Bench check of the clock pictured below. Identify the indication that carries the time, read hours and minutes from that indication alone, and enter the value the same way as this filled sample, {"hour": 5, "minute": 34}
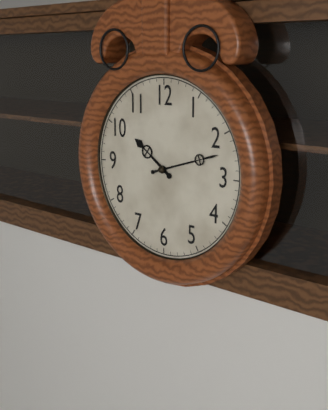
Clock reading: {"hour": 10, "minute": 12}
